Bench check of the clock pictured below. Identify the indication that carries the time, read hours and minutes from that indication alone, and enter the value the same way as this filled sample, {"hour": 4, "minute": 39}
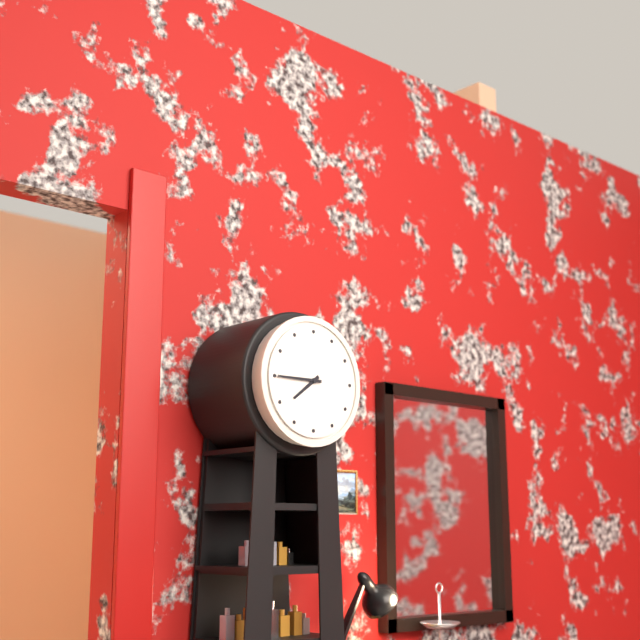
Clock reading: {"hour": 7, "minute": 45}
